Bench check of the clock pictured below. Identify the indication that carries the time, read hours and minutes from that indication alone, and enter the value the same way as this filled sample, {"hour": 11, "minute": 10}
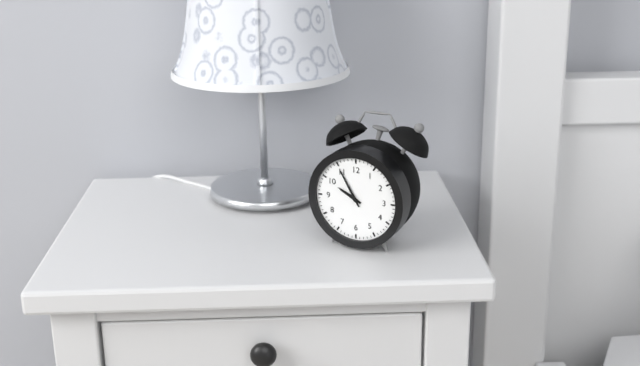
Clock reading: {"hour": 9, "minute": 55}
